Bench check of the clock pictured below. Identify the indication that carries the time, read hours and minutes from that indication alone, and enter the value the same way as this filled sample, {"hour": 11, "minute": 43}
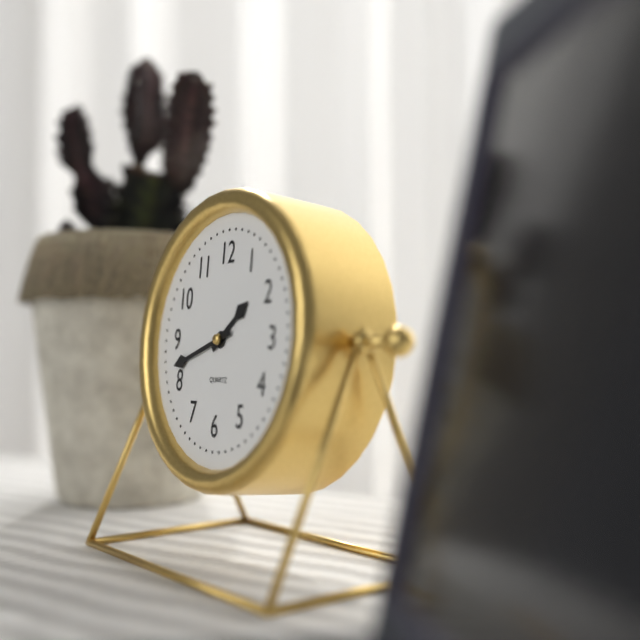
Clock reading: {"hour": 1, "minute": 42}
